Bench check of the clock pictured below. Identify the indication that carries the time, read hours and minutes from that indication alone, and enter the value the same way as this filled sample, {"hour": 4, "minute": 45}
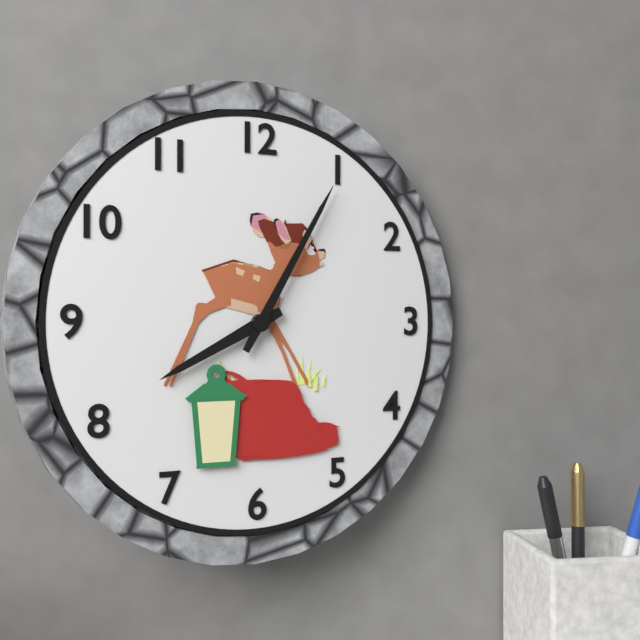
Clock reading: {"hour": 8, "minute": 5}
